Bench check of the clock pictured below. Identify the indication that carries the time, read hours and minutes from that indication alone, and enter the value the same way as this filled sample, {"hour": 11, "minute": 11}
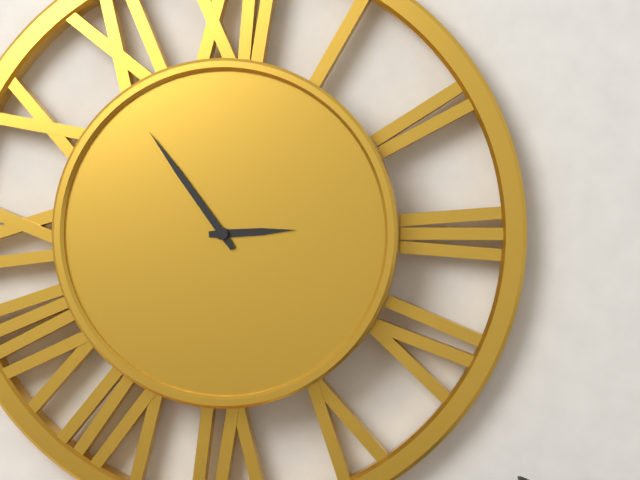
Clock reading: {"hour": 2, "minute": 54}
